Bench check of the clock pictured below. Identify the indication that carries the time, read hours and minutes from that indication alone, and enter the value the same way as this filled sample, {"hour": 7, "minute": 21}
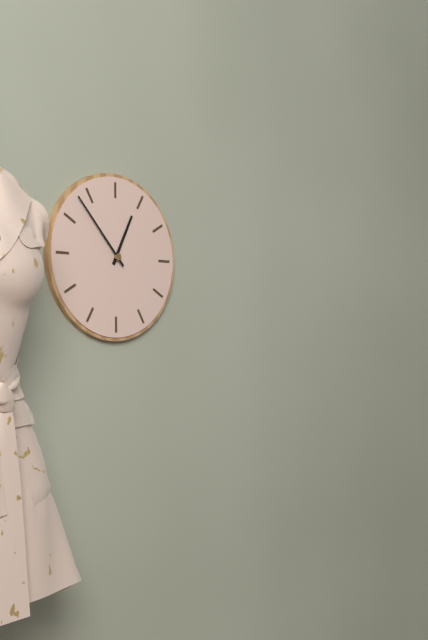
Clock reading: {"hour": 12, "minute": 53}
